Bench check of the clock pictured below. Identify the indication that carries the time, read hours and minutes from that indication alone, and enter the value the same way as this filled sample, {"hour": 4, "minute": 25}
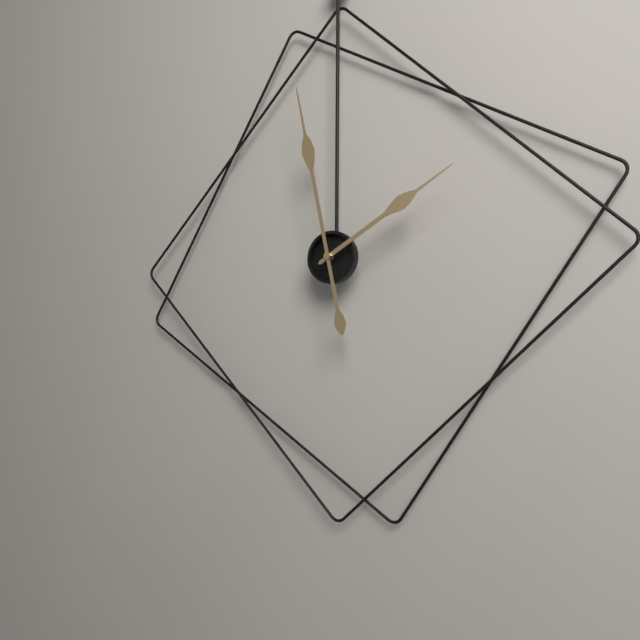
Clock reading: {"hour": 1, "minute": 58}
